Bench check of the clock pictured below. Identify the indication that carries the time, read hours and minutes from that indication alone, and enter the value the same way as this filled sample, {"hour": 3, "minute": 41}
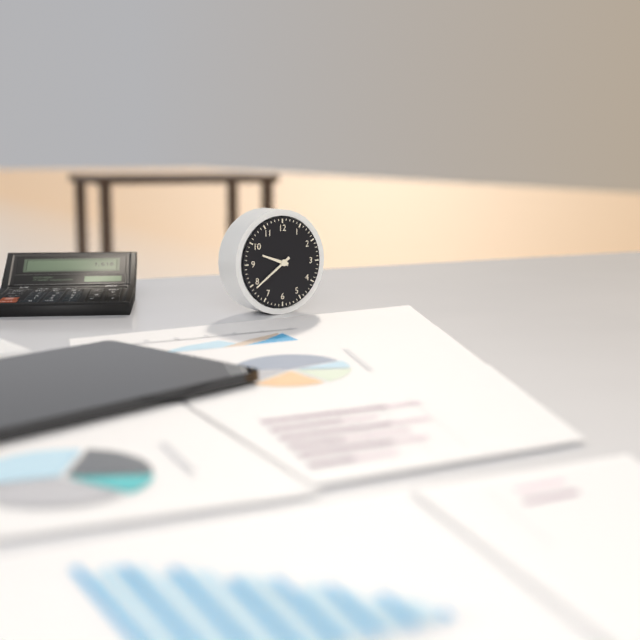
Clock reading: {"hour": 9, "minute": 39}
